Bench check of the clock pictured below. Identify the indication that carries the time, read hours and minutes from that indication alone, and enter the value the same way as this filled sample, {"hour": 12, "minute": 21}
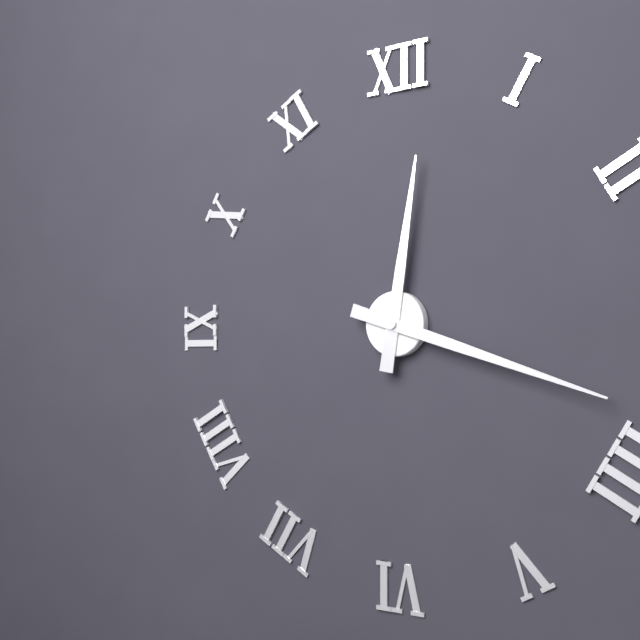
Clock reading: {"hour": 12, "minute": 18}
